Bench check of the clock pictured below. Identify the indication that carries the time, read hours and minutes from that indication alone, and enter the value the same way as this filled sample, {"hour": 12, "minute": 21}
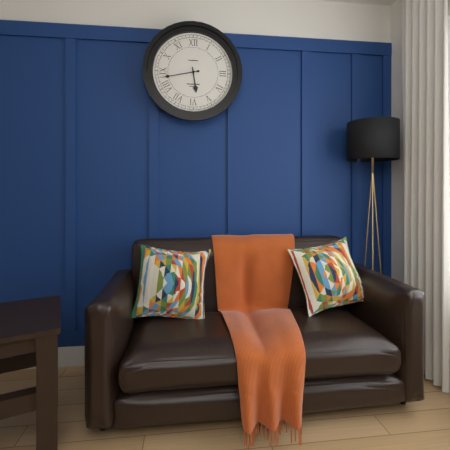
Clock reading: {"hour": 5, "minute": 43}
